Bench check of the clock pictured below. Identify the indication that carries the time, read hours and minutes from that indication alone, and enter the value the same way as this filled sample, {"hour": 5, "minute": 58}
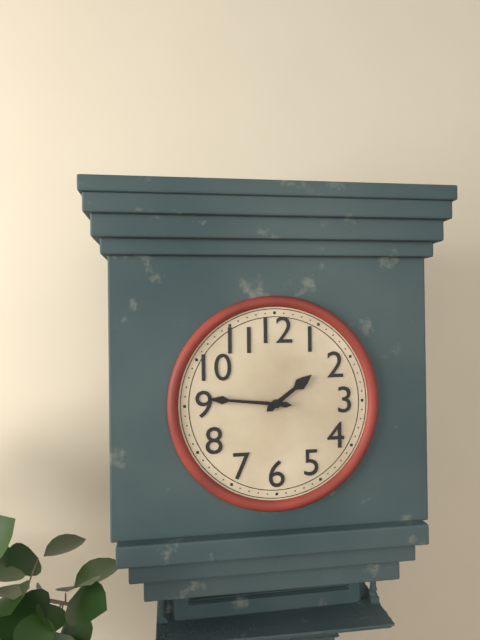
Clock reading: {"hour": 1, "minute": 46}
